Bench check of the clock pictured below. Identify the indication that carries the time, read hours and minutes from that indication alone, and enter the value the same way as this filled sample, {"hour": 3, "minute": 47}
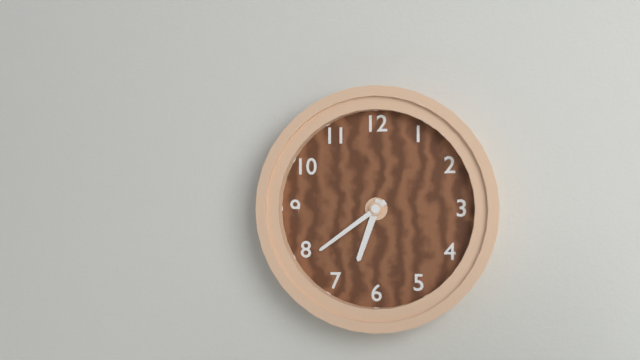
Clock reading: {"hour": 6, "minute": 39}
